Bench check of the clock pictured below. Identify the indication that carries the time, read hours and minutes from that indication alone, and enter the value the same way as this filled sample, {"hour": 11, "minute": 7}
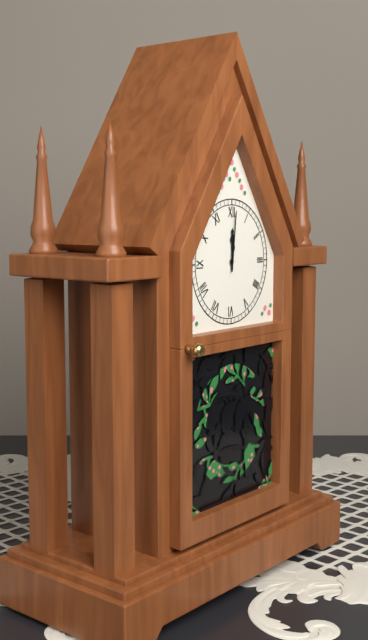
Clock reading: {"hour": 12, "minute": 1}
